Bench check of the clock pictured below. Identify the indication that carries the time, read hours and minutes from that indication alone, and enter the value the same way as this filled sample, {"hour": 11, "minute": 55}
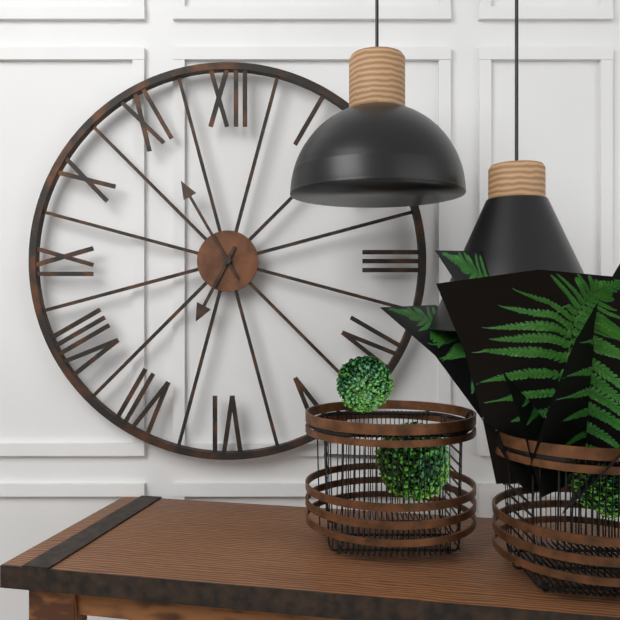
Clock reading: {"hour": 6, "minute": 55}
